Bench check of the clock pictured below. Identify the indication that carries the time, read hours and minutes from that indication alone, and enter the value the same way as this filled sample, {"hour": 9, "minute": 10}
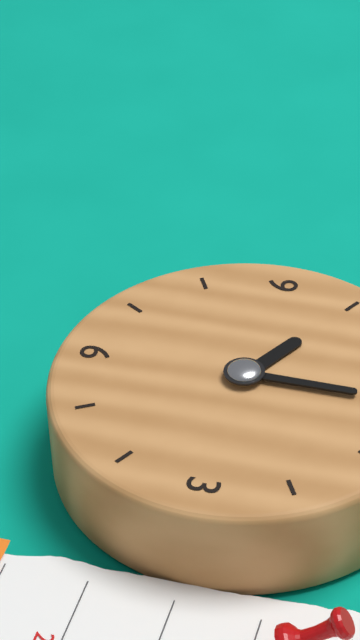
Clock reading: {"hour": 10, "minute": 0}
